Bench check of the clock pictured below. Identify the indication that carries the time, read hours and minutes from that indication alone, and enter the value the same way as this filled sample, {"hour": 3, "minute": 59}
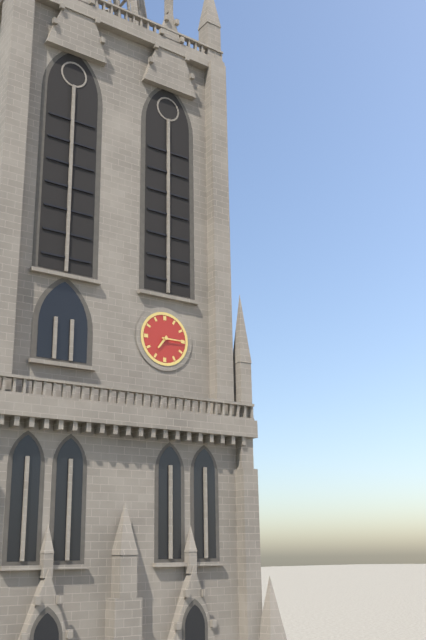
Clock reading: {"hour": 7, "minute": 15}
